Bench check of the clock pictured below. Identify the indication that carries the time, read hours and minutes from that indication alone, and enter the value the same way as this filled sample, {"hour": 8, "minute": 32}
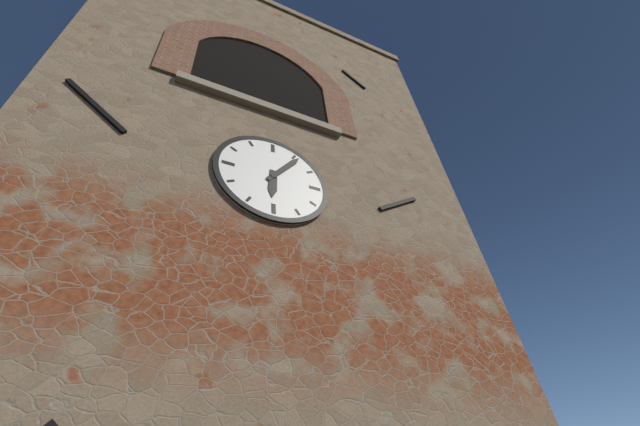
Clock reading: {"hour": 6, "minute": 6}
